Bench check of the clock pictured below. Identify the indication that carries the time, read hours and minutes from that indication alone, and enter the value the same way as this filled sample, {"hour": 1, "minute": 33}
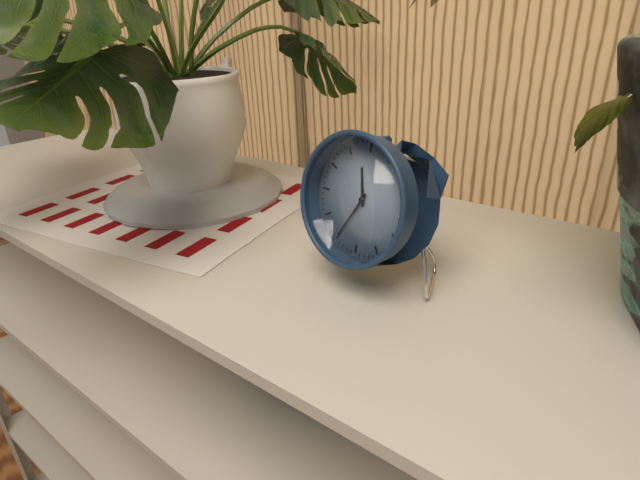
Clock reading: {"hour": 11, "minute": 35}
